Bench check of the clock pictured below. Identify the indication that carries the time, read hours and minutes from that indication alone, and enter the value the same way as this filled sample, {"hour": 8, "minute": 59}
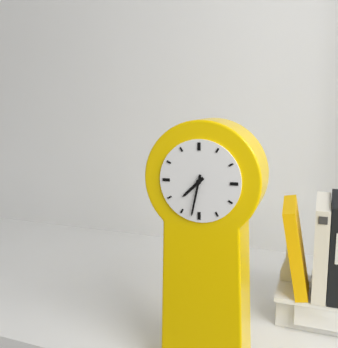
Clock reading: {"hour": 7, "minute": 32}
